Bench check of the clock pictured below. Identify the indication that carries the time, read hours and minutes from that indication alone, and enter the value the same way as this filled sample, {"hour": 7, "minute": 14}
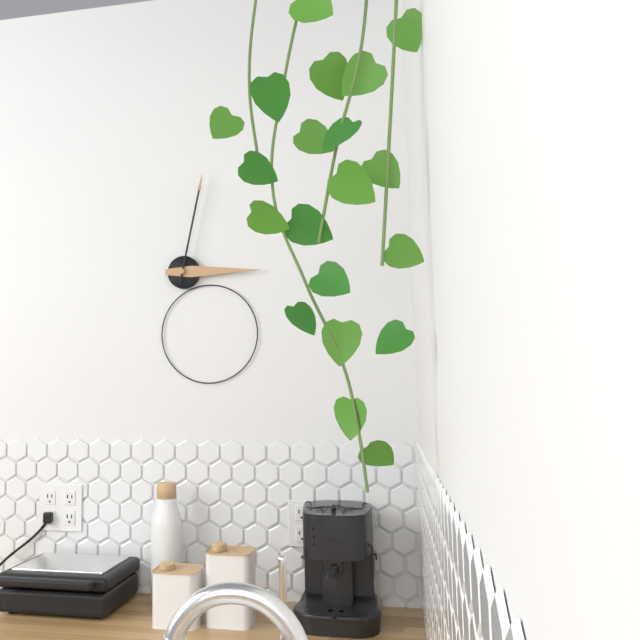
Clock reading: {"hour": 3, "minute": 2}
